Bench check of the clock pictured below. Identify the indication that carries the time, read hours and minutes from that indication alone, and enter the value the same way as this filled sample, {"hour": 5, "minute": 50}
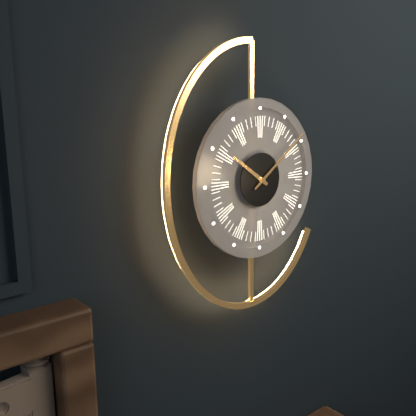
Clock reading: {"hour": 10, "minute": 9}
